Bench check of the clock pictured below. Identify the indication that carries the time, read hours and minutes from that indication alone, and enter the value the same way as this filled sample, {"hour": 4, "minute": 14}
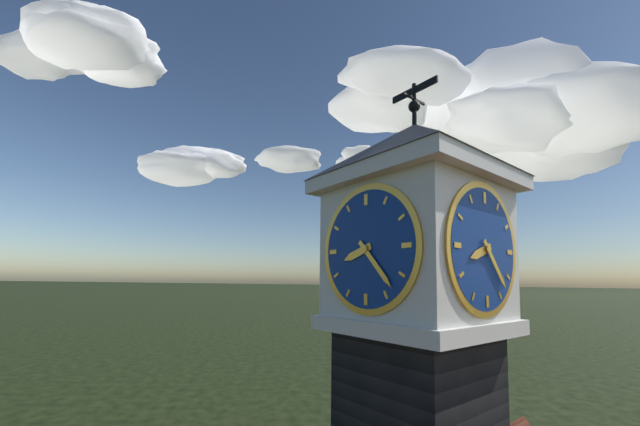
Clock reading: {"hour": 8, "minute": 23}
